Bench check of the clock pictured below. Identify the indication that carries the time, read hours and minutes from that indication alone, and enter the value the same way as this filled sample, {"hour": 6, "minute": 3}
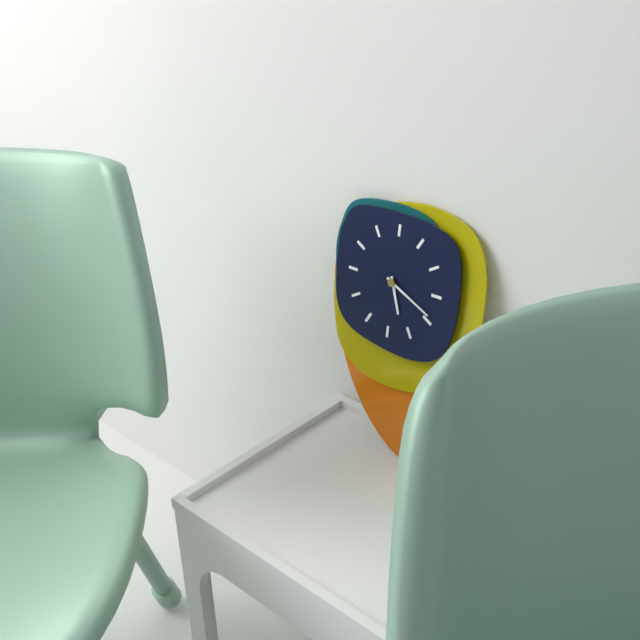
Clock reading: {"hour": 5, "minute": 19}
